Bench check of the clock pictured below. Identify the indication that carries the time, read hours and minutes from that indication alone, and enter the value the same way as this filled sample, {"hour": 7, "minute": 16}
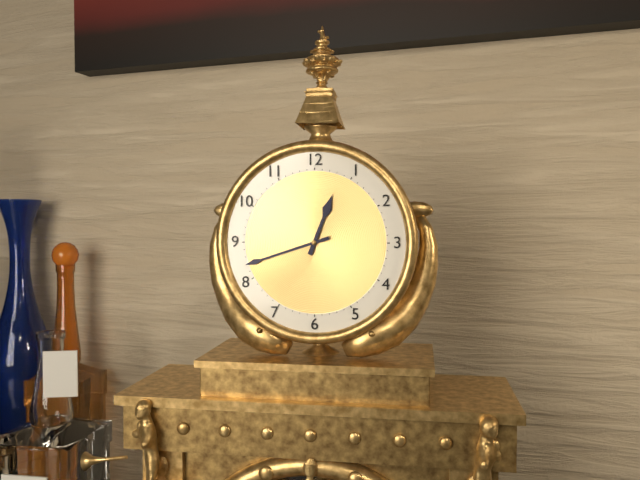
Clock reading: {"hour": 12, "minute": 42}
